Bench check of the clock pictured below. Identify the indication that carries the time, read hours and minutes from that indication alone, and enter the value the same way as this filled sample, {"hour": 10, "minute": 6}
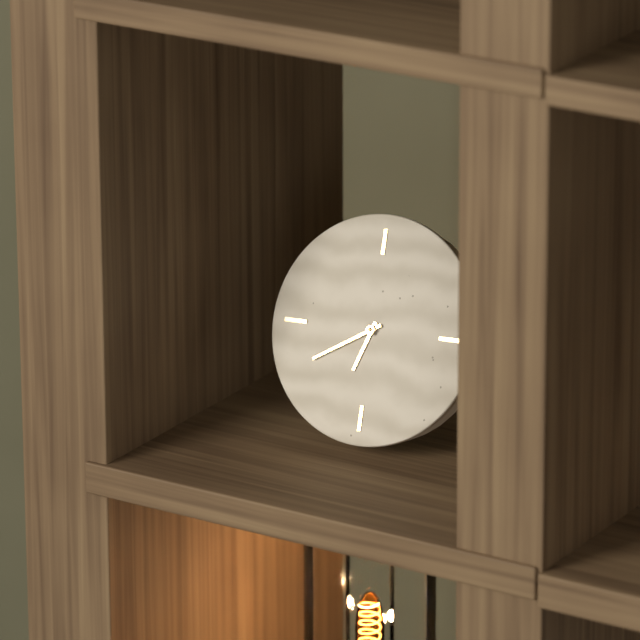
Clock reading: {"hour": 6, "minute": 40}
